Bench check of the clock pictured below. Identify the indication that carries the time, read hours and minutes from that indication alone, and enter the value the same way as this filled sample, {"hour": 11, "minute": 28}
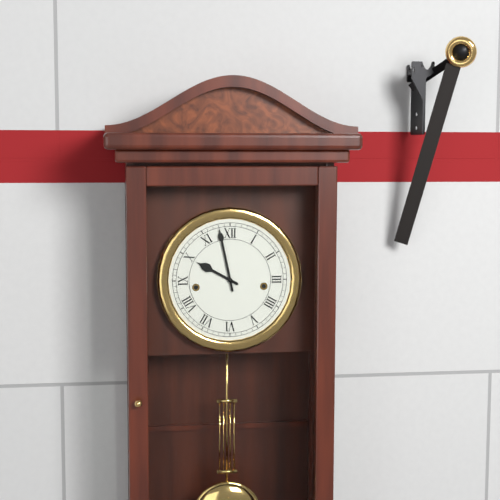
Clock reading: {"hour": 9, "minute": 58}
